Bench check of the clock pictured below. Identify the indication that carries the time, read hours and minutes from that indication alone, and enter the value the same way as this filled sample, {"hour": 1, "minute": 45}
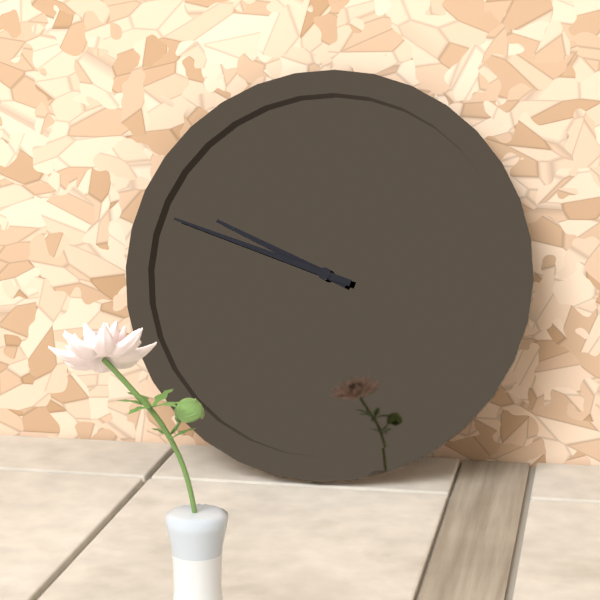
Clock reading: {"hour": 9, "minute": 48}
